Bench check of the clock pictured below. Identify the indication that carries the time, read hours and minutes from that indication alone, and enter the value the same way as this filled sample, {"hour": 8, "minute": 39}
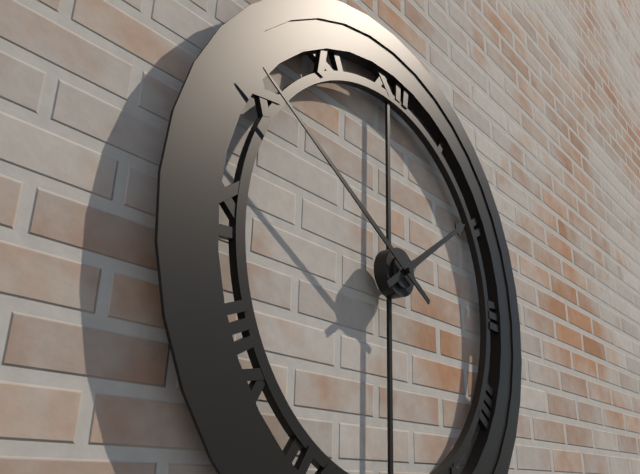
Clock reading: {"hour": 1, "minute": 50}
